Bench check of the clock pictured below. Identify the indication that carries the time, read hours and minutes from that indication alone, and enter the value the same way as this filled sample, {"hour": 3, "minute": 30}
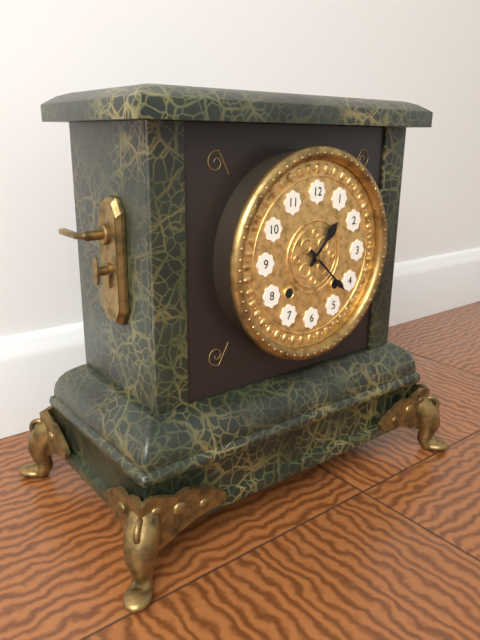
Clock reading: {"hour": 1, "minute": 22}
